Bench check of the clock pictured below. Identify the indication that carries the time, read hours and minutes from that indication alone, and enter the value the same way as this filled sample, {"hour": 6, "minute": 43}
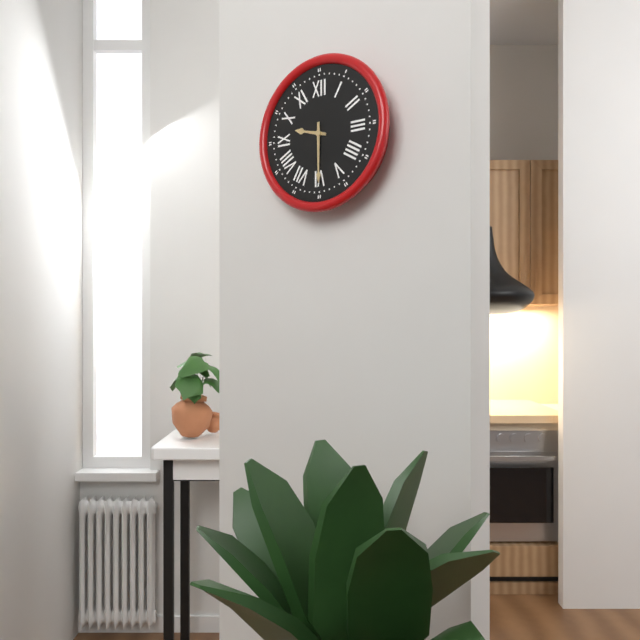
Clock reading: {"hour": 9, "minute": 30}
